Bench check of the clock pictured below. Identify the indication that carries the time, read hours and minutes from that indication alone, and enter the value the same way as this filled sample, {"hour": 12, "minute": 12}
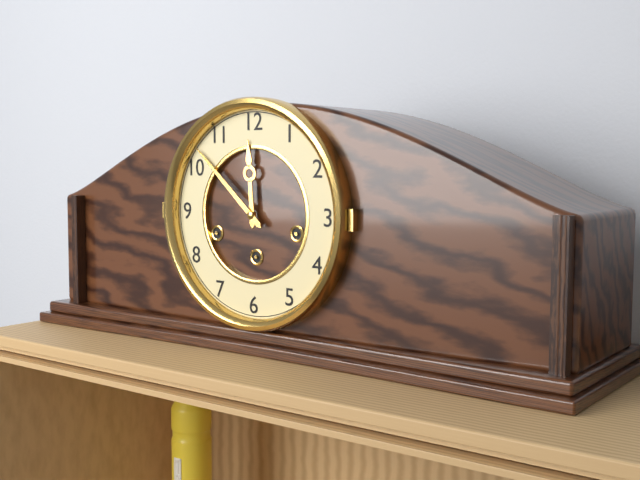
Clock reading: {"hour": 11, "minute": 52}
